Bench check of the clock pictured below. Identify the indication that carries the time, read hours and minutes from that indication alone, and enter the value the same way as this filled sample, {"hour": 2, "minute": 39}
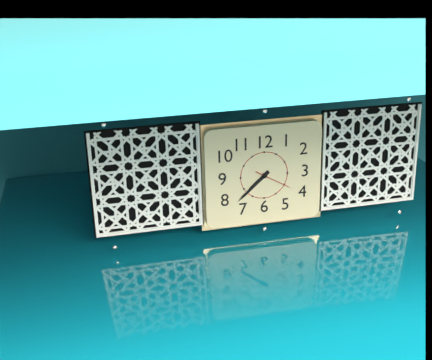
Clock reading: {"hour": 7, "minute": 38}
